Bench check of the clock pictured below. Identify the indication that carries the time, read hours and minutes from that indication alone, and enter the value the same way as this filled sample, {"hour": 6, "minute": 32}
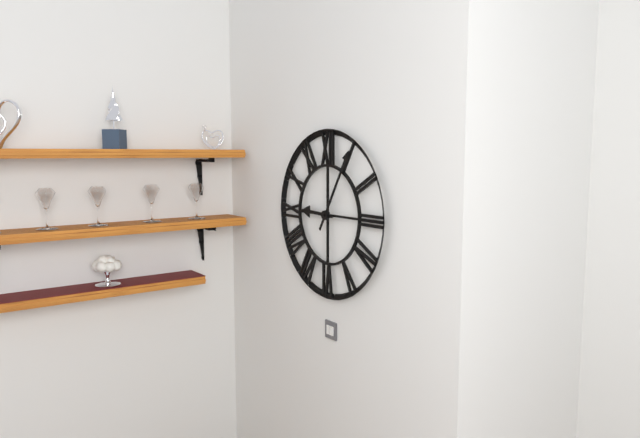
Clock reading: {"hour": 9, "minute": 5}
